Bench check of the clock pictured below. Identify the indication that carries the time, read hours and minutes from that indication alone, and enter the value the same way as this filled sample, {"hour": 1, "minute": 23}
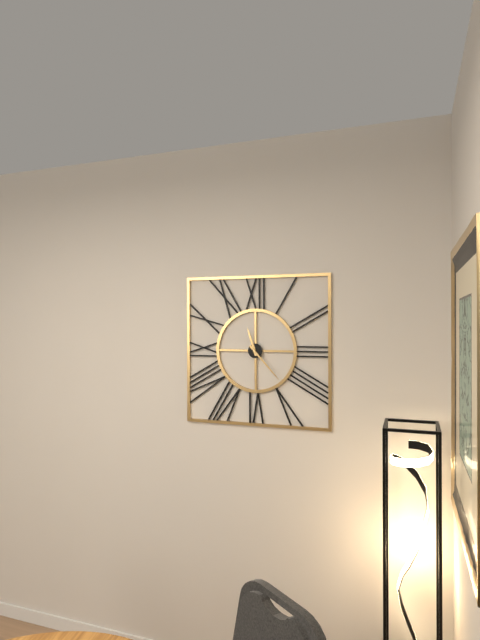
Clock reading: {"hour": 11, "minute": 23}
